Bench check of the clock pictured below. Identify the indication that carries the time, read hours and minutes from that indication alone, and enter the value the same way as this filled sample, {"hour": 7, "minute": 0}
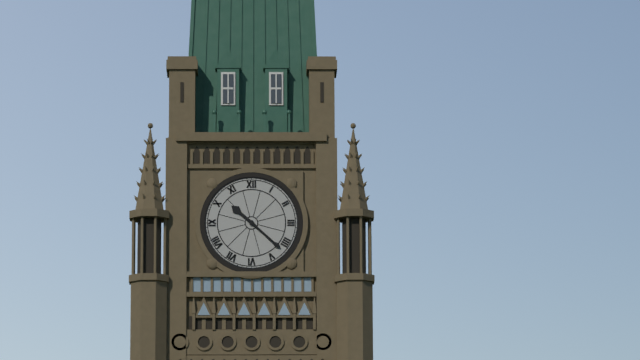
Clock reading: {"hour": 10, "minute": 22}
